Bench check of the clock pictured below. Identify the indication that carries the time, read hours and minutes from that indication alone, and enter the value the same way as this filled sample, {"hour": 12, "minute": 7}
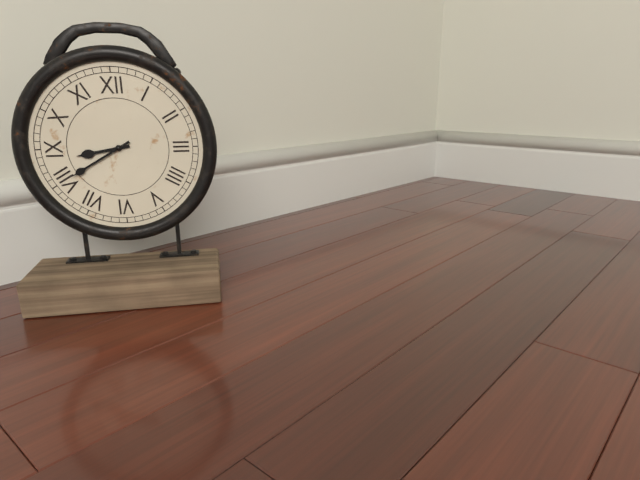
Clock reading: {"hour": 8, "minute": 40}
